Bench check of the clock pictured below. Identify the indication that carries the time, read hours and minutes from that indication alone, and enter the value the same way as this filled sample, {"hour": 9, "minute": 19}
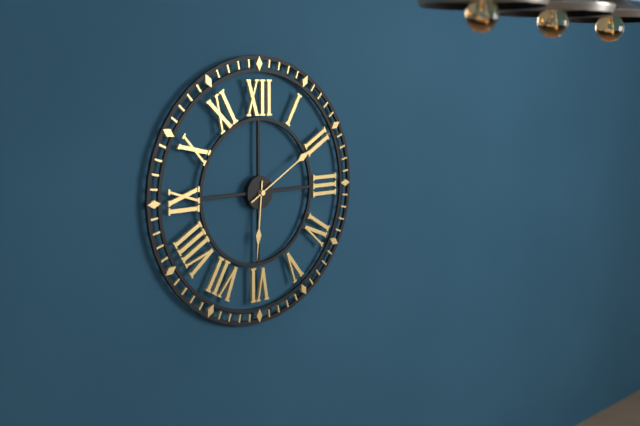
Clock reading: {"hour": 6, "minute": 10}
